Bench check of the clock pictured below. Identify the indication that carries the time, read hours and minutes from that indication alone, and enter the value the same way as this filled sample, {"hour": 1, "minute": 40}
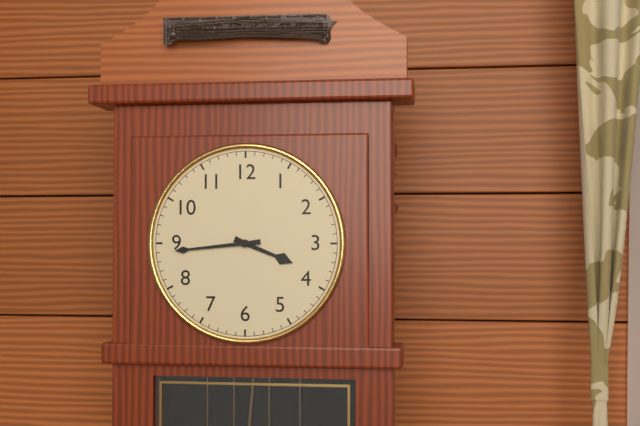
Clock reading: {"hour": 3, "minute": 44}
